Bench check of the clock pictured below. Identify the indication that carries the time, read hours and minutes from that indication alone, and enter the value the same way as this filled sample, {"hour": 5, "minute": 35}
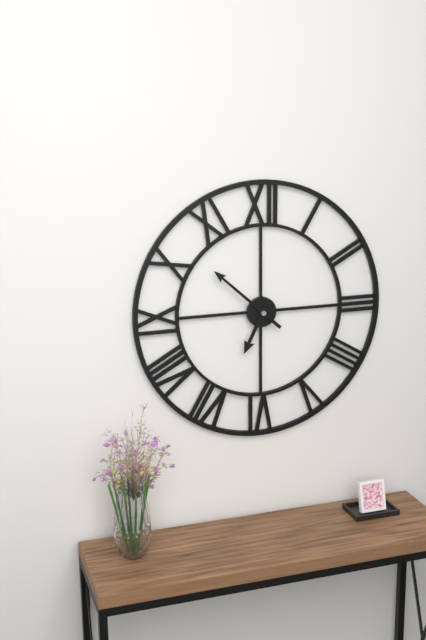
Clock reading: {"hour": 6, "minute": 52}
